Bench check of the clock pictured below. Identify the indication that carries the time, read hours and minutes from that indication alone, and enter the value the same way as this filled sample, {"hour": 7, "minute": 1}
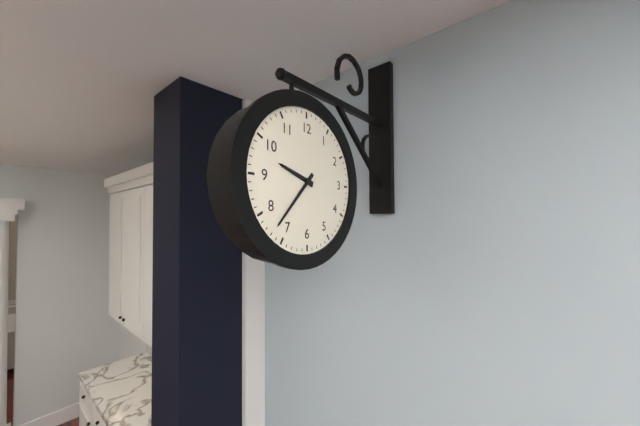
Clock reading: {"hour": 9, "minute": 37}
